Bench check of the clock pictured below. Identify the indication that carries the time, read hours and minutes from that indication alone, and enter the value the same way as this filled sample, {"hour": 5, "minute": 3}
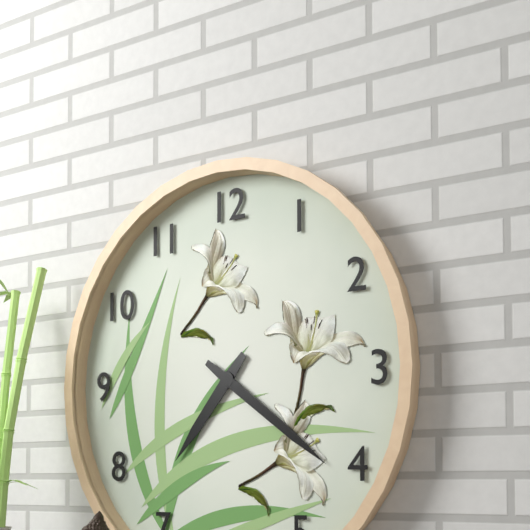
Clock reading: {"hour": 7, "minute": 21}
